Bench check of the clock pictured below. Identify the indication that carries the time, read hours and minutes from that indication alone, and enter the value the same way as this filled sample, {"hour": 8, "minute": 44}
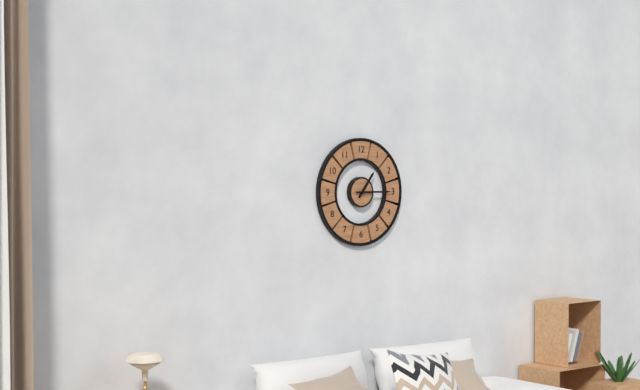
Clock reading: {"hour": 1, "minute": 15}
